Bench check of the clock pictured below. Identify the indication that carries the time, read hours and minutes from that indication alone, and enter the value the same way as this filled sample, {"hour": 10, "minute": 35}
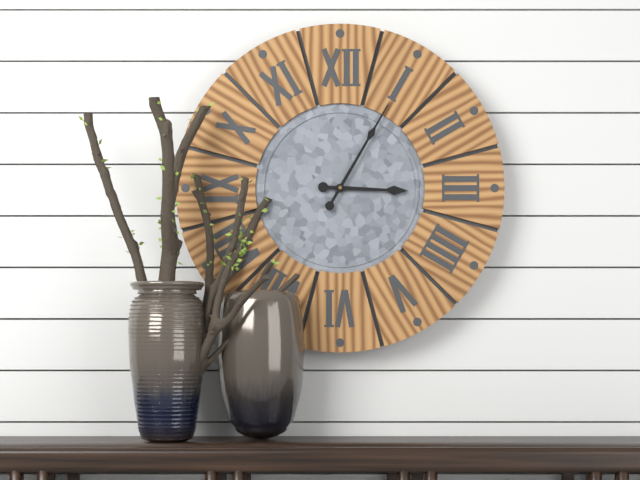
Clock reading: {"hour": 3, "minute": 5}
